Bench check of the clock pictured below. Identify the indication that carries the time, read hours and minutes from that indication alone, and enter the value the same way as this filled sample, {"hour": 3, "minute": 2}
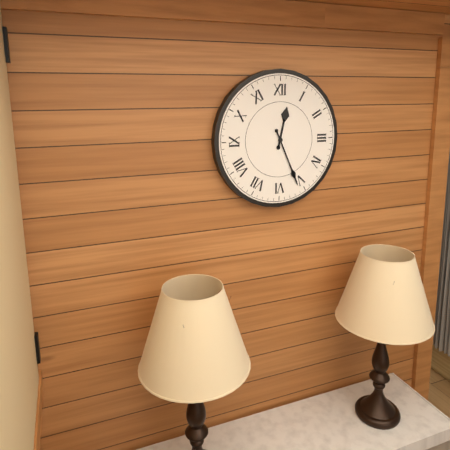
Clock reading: {"hour": 12, "minute": 26}
